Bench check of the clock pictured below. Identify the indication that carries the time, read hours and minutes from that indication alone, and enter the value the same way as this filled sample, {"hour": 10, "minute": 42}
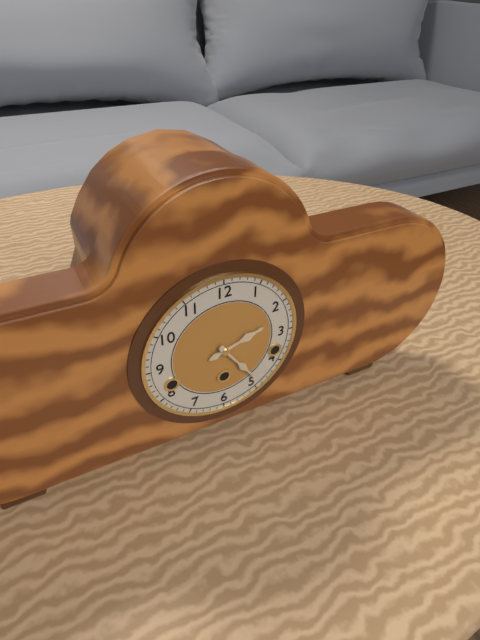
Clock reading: {"hour": 2, "minute": 24}
